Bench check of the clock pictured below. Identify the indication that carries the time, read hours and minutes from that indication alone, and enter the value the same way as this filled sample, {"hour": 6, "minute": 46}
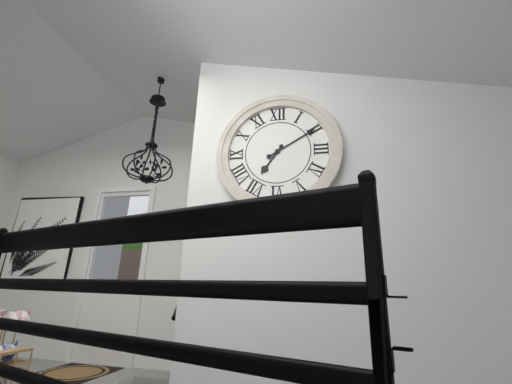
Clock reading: {"hour": 7, "minute": 10}
